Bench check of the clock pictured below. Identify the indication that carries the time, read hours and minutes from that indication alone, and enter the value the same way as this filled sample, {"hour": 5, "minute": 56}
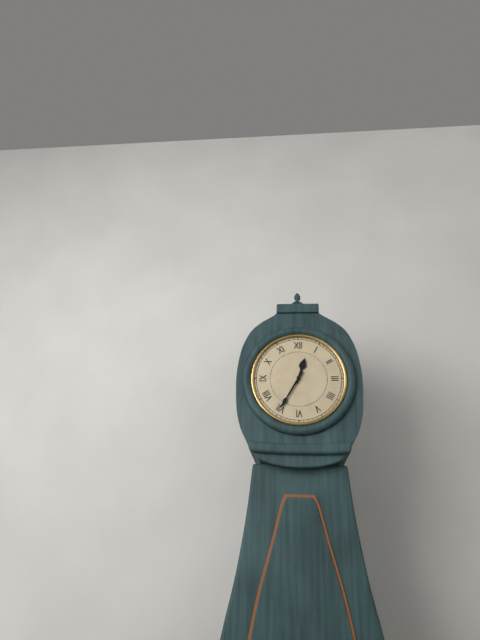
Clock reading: {"hour": 12, "minute": 35}
